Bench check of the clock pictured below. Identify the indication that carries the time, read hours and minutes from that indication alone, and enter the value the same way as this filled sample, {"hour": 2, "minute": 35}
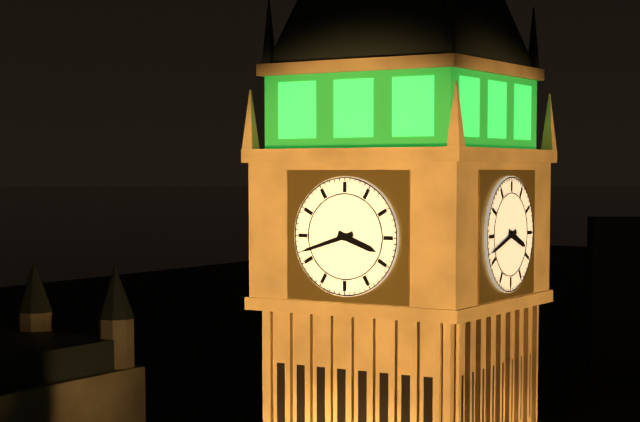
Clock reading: {"hour": 3, "minute": 42}
